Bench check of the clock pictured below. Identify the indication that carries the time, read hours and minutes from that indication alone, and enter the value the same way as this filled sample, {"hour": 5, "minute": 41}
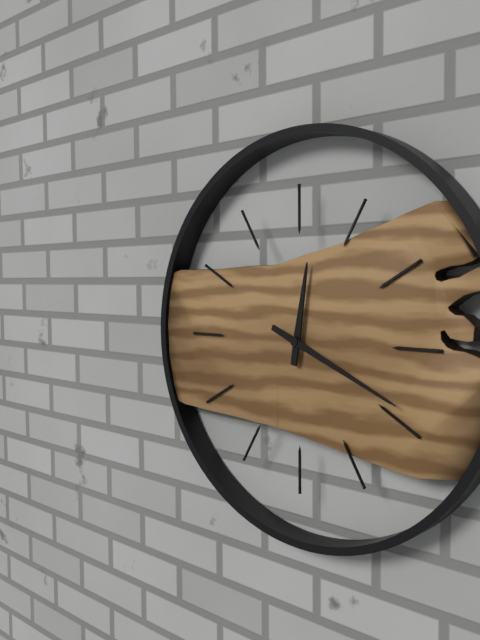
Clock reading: {"hour": 12, "minute": 19}
